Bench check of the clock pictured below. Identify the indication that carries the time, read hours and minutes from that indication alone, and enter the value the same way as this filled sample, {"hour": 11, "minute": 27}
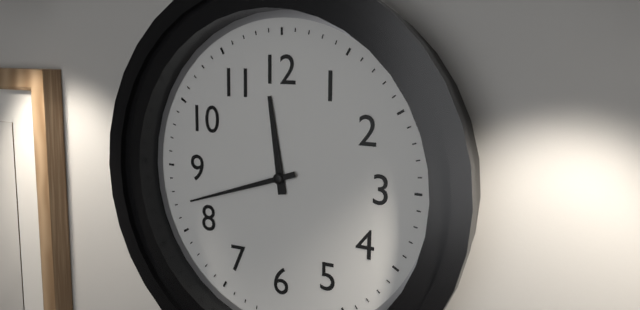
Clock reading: {"hour": 11, "minute": 42}
